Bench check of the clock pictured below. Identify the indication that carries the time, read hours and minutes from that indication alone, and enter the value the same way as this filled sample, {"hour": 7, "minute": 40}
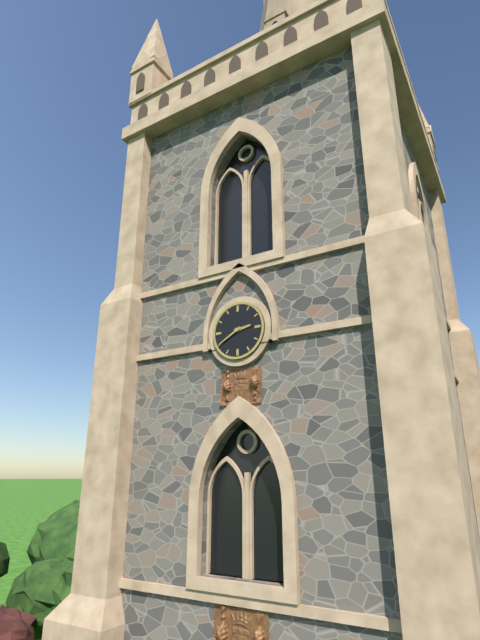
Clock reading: {"hour": 2, "minute": 40}
